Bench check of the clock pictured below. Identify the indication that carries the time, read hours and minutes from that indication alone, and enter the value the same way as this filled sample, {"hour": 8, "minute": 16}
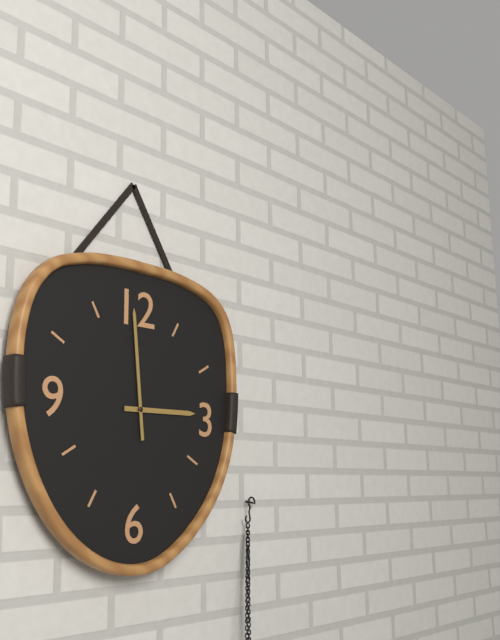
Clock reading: {"hour": 2, "minute": 59}
